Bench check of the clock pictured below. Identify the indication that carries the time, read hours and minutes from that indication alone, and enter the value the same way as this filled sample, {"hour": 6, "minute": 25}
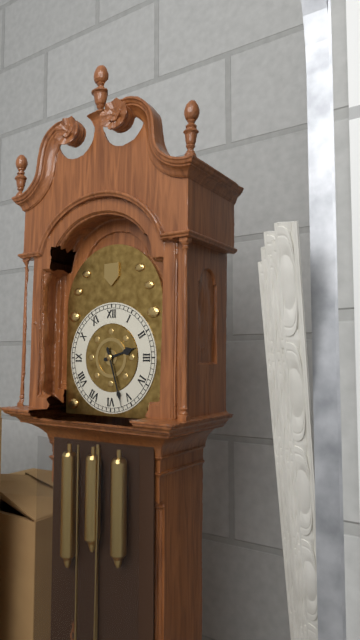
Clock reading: {"hour": 2, "minute": 27}
